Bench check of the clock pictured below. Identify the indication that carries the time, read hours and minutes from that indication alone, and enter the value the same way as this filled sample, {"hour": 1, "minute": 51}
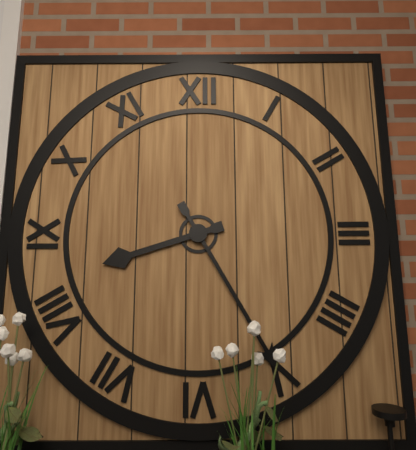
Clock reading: {"hour": 8, "minute": 25}
